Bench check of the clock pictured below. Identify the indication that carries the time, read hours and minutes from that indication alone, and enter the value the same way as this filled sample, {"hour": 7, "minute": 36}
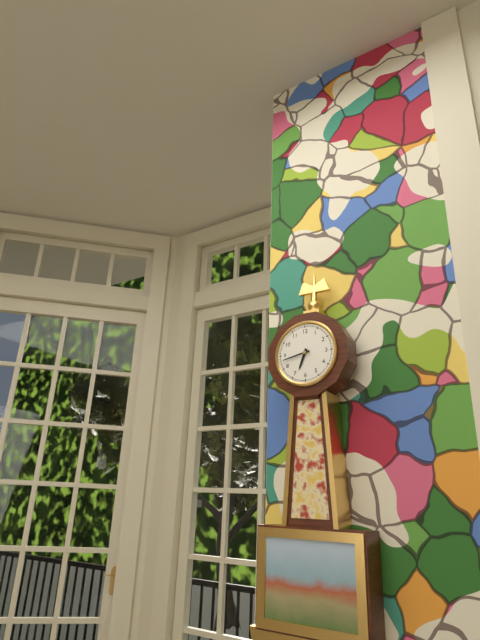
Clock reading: {"hour": 6, "minute": 43}
